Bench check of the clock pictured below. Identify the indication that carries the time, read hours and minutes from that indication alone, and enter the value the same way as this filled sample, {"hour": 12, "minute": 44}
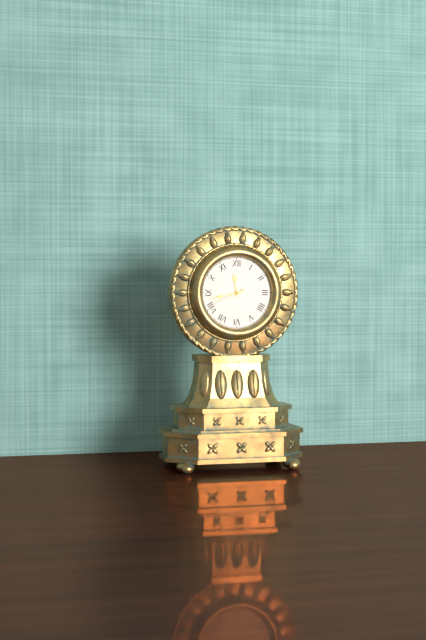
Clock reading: {"hour": 11, "minute": 43}
